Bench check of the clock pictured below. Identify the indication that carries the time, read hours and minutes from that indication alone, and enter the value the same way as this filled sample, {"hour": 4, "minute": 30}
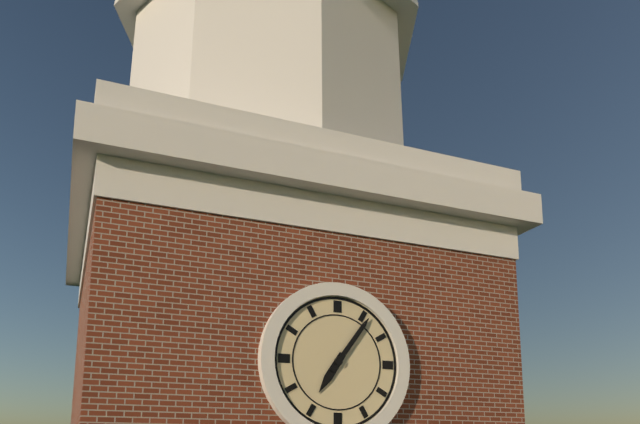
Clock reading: {"hour": 7, "minute": 6}
